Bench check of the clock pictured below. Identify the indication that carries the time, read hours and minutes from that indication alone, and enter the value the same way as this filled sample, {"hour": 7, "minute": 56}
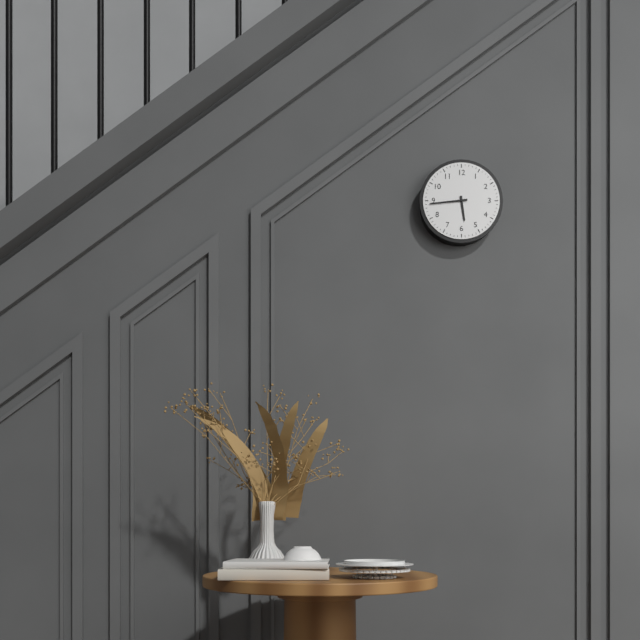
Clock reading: {"hour": 5, "minute": 44}
